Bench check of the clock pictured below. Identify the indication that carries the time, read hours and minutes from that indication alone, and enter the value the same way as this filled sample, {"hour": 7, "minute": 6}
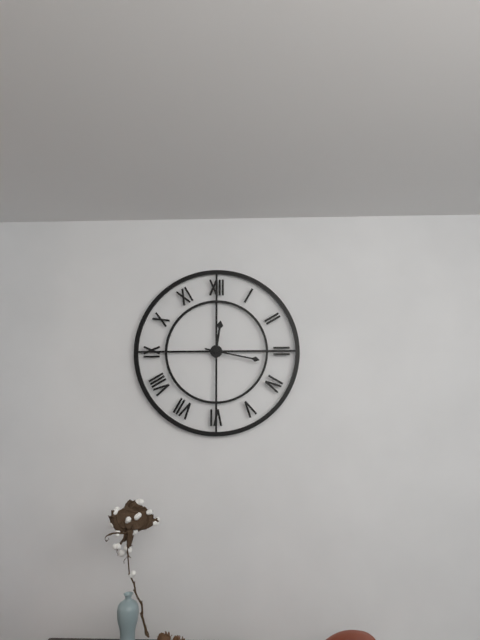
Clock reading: {"hour": 12, "minute": 17}
